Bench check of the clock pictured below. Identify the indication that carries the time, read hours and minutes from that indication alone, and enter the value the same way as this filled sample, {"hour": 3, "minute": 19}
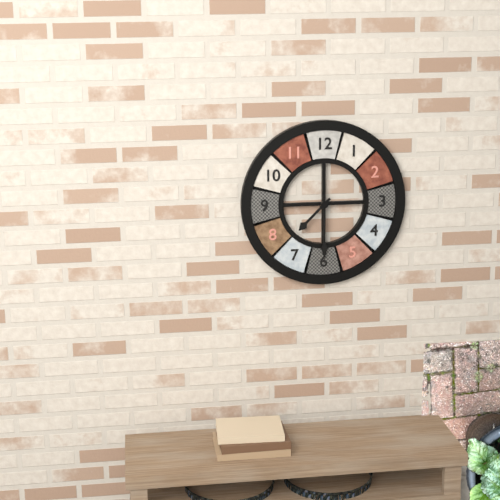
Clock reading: {"hour": 7, "minute": 30}
